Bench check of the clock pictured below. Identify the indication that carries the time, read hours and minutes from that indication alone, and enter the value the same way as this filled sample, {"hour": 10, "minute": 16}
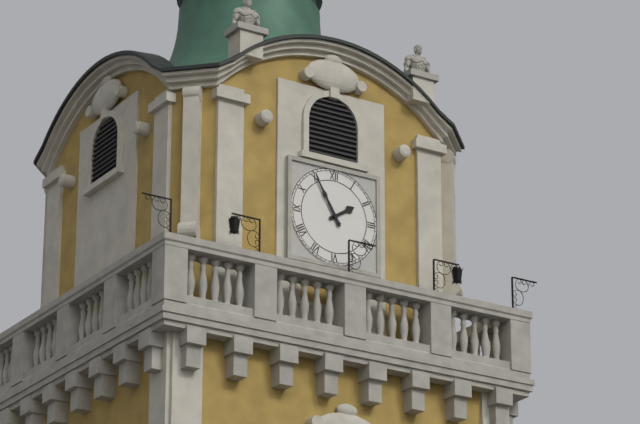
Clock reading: {"hour": 1, "minute": 55}
